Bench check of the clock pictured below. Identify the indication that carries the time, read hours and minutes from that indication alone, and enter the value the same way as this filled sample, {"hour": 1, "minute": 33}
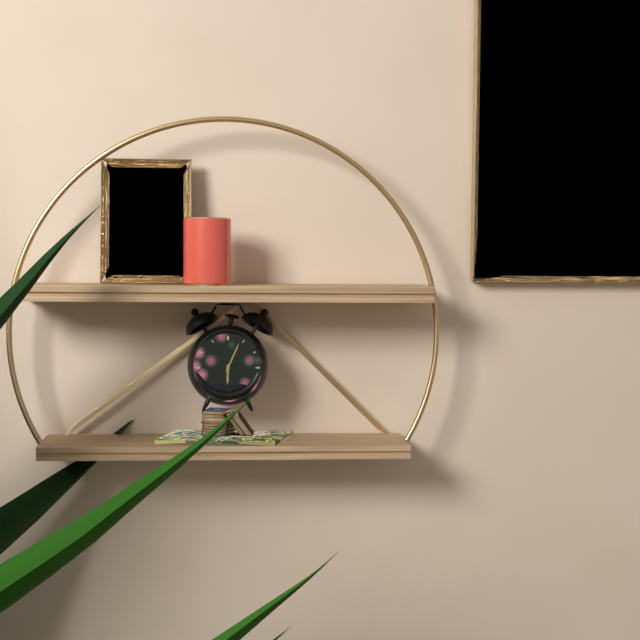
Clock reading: {"hour": 6, "minute": 4}
